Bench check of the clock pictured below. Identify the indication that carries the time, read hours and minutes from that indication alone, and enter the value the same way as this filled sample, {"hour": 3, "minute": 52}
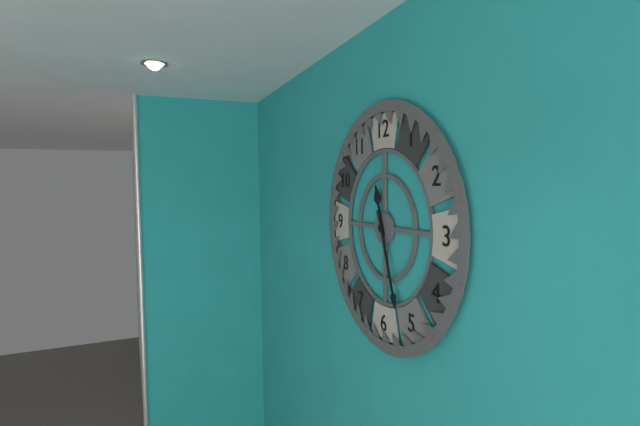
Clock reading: {"hour": 11, "minute": 27}
